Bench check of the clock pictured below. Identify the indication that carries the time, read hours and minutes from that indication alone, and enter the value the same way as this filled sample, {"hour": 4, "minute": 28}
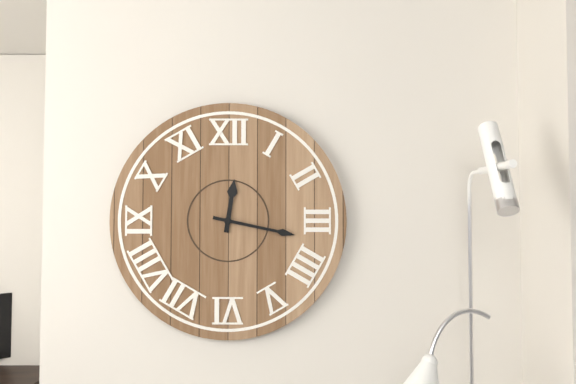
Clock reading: {"hour": 12, "minute": 17}
